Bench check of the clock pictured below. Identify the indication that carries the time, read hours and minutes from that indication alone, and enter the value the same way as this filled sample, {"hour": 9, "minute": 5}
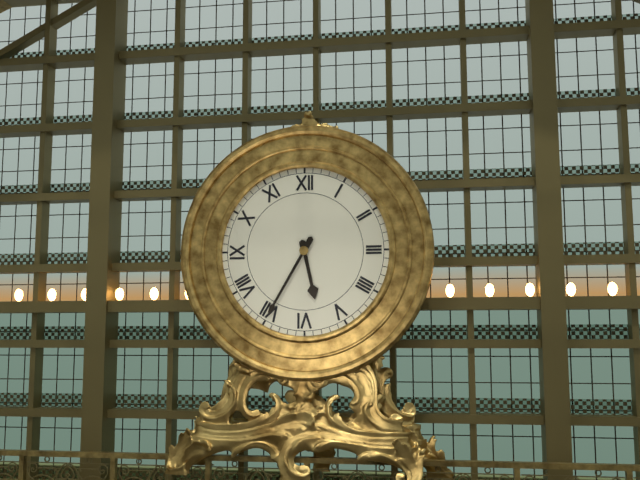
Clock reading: {"hour": 5, "minute": 35}
